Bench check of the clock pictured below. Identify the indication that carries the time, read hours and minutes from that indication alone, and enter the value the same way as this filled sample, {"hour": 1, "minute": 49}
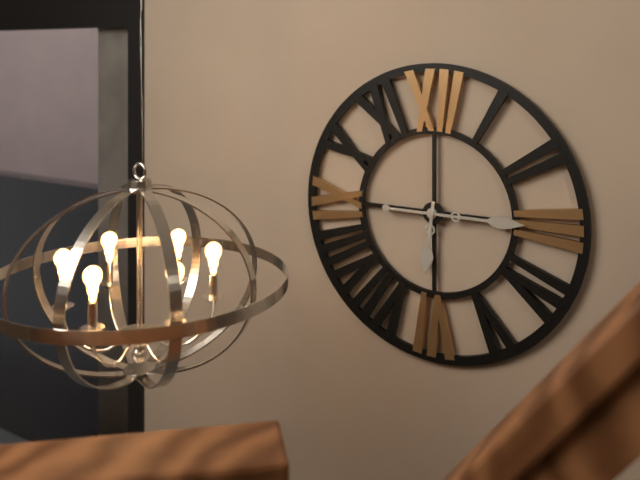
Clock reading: {"hour": 6, "minute": 15}
